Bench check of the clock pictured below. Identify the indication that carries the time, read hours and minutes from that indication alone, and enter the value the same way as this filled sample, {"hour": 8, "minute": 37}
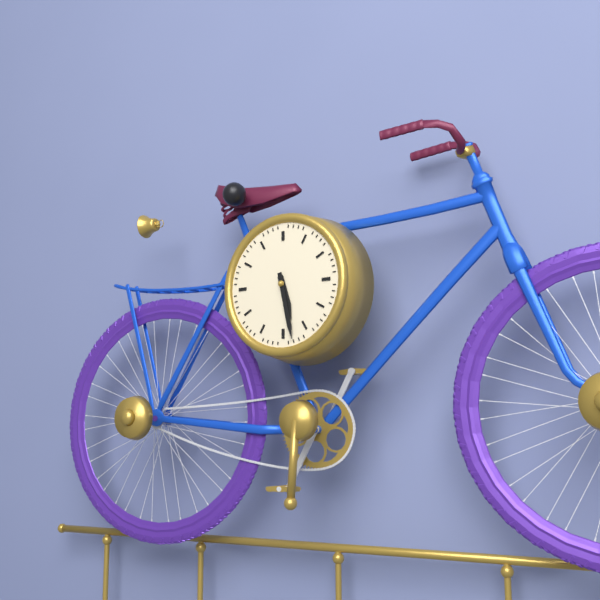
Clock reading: {"hour": 5, "minute": 28}
